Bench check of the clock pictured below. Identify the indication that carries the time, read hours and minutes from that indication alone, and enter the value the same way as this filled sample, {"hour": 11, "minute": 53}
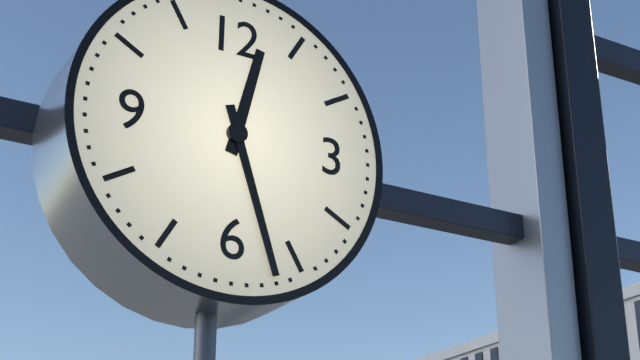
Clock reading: {"hour": 12, "minute": 27}
